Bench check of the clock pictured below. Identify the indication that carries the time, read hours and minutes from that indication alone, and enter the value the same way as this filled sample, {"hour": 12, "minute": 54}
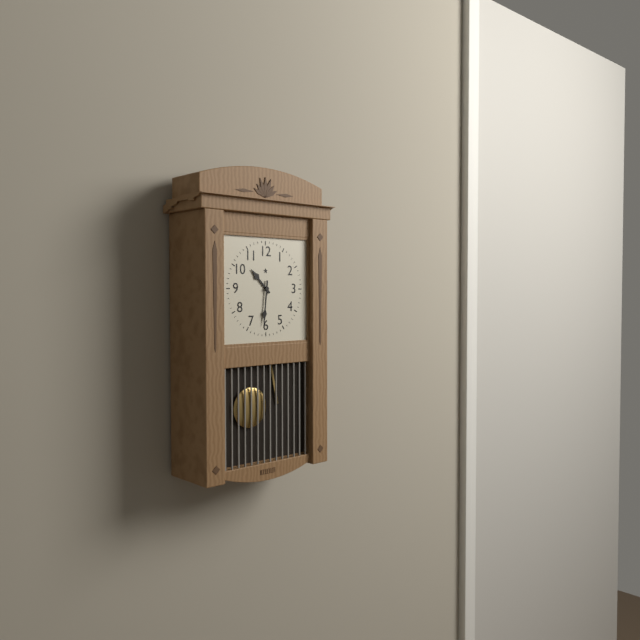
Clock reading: {"hour": 10, "minute": 31}
